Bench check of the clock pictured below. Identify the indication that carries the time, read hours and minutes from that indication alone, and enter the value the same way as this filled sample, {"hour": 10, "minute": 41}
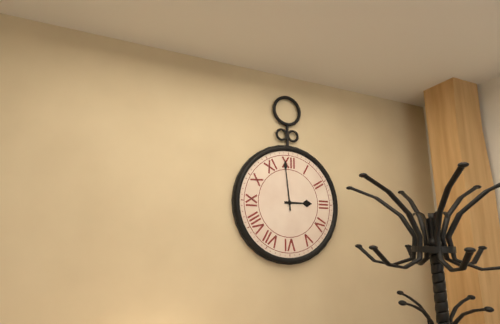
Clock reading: {"hour": 2, "minute": 59}
